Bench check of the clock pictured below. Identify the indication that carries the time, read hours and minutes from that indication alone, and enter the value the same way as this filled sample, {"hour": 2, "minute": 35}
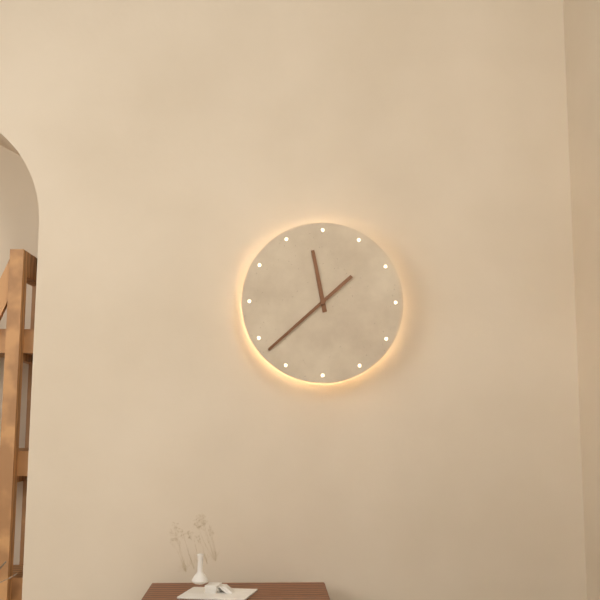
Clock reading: {"hour": 11, "minute": 38}
